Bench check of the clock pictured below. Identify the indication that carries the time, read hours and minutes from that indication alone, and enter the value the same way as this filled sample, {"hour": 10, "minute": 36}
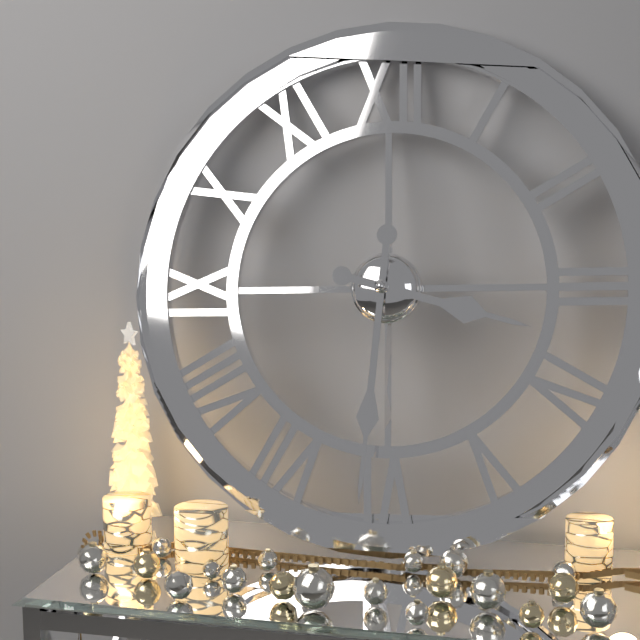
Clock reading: {"hour": 3, "minute": 31}
